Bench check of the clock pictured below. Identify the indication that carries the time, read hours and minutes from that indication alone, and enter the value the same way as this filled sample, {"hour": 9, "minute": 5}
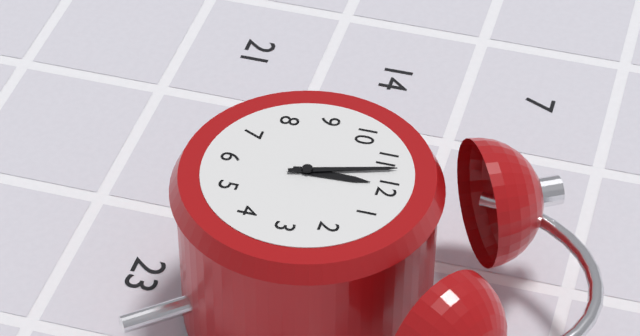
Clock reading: {"hour": 11, "minute": 57}
